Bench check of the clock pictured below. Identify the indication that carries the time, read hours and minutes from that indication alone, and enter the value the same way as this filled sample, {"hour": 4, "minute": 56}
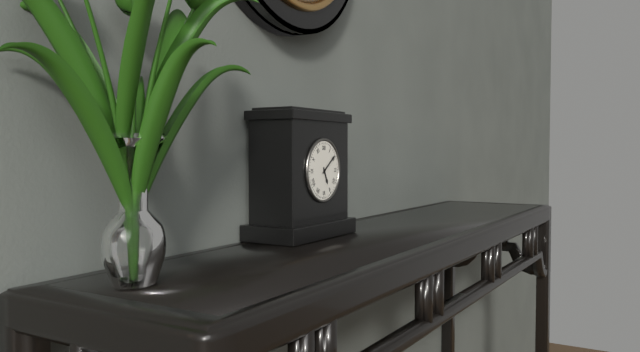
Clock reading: {"hour": 5, "minute": 9}
